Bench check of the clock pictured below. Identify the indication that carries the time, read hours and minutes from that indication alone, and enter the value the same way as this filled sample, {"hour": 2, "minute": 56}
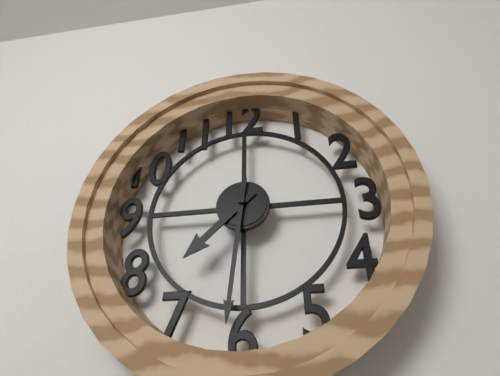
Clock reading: {"hour": 7, "minute": 31}
